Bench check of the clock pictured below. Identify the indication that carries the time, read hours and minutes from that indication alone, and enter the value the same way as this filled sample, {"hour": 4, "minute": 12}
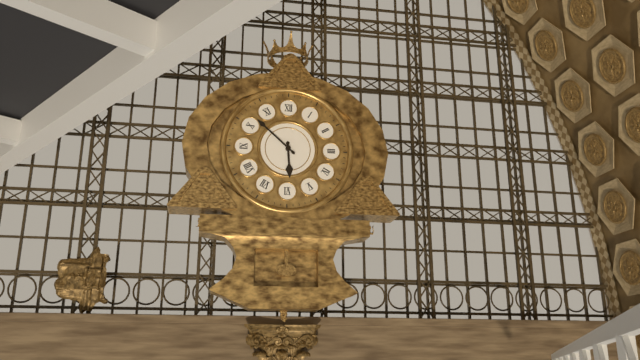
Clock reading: {"hour": 5, "minute": 52}
